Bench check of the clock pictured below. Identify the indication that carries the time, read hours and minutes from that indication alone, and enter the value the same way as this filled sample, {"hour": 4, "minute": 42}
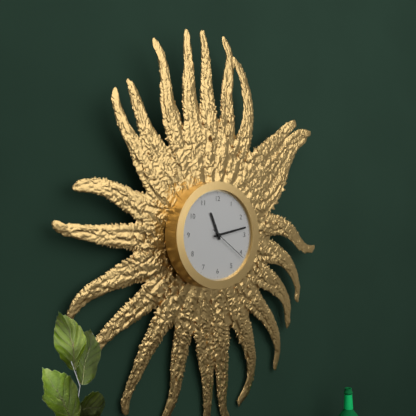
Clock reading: {"hour": 11, "minute": 13}
